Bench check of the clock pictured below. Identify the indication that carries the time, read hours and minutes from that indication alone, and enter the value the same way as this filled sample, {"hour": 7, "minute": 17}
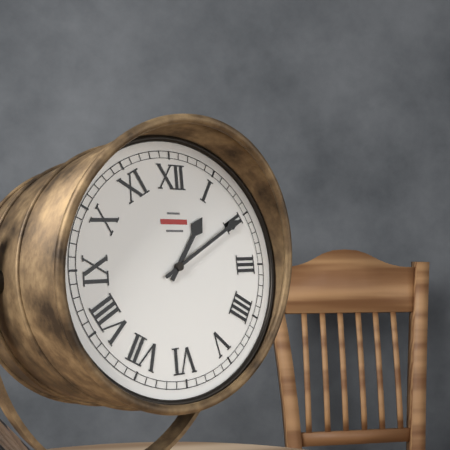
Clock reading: {"hour": 1, "minute": 10}
